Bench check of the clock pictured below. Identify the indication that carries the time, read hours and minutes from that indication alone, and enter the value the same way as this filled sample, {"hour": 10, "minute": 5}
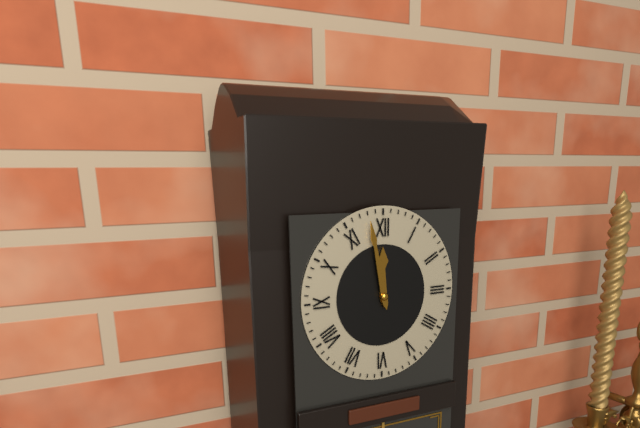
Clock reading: {"hour": 11, "minute": 58}
